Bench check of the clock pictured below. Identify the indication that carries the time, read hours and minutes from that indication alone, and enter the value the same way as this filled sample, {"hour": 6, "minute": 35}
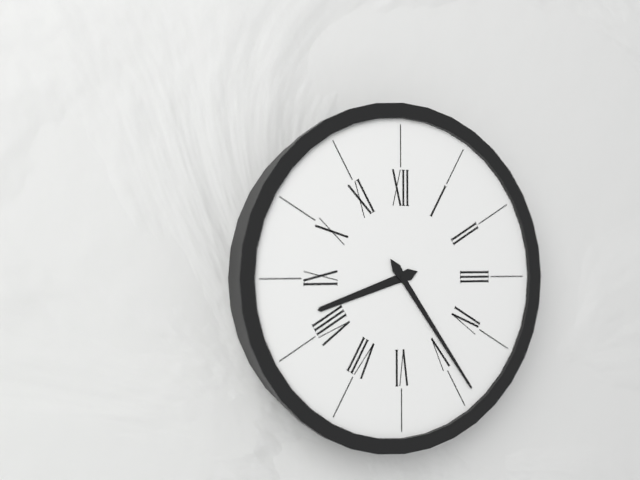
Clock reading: {"hour": 8, "minute": 24}
